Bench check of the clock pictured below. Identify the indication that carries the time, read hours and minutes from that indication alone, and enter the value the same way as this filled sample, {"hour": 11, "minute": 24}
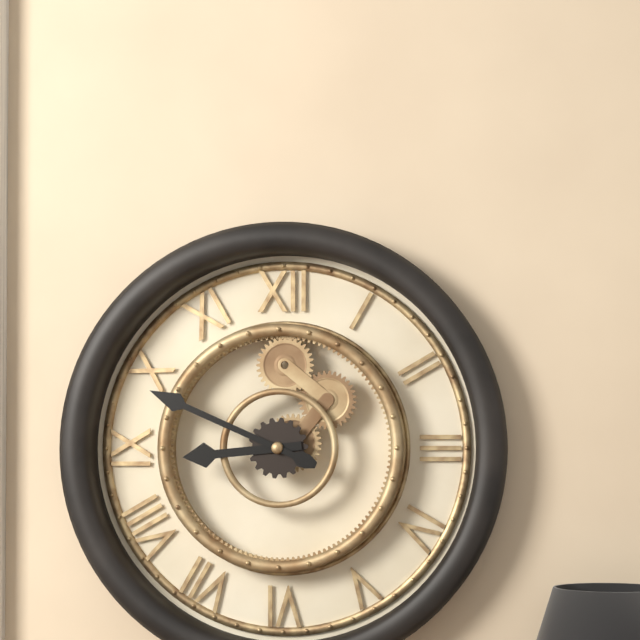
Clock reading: {"hour": 8, "minute": 49}
